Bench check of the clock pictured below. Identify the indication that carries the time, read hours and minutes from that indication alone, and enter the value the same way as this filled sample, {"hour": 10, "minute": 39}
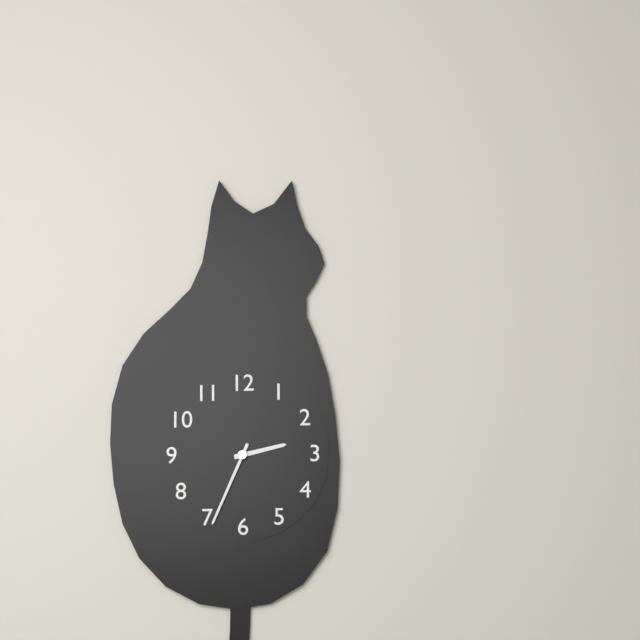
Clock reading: {"hour": 2, "minute": 34}
